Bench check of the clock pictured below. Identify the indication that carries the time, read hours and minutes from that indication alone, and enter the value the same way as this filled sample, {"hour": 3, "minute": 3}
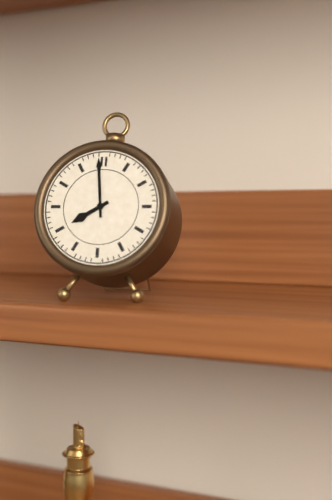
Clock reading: {"hour": 7, "minute": 59}
